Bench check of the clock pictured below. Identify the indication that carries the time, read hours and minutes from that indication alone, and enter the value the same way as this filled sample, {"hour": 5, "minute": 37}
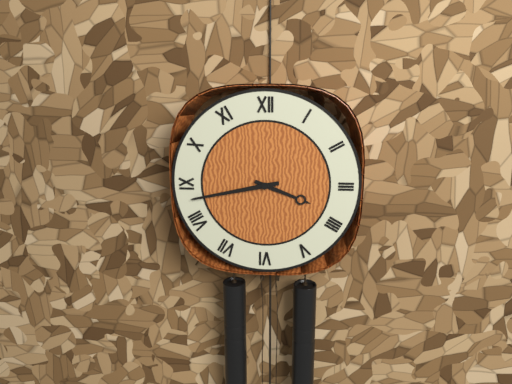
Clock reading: {"hour": 3, "minute": 43}
